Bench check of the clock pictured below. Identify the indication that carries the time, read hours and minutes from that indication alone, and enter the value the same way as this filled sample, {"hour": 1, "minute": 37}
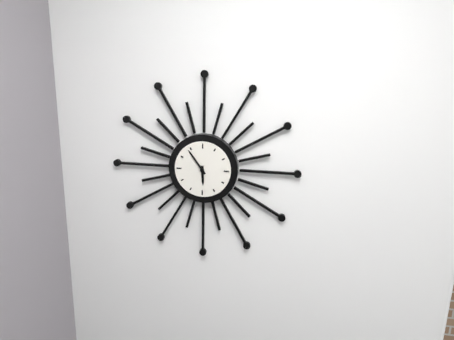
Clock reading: {"hour": 5, "minute": 54}
